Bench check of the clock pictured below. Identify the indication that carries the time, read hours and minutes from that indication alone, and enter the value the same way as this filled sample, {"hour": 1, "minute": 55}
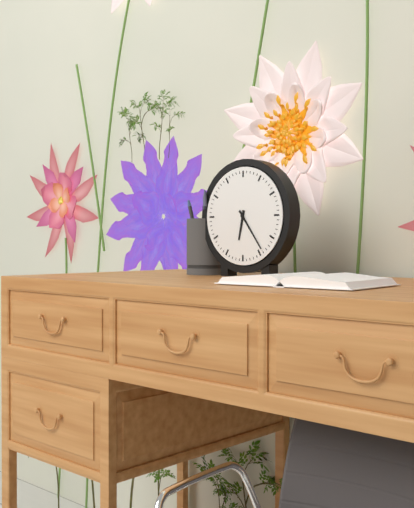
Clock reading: {"hour": 6, "minute": 24}
